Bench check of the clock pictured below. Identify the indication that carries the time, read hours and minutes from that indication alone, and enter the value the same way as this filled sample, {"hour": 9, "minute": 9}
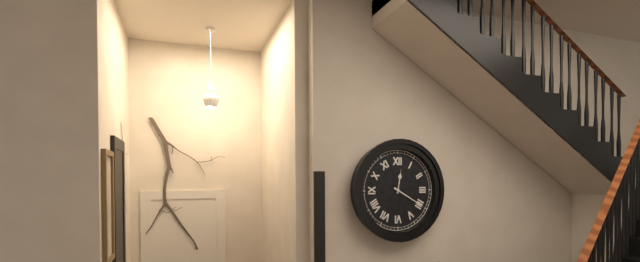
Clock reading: {"hour": 12, "minute": 20}
